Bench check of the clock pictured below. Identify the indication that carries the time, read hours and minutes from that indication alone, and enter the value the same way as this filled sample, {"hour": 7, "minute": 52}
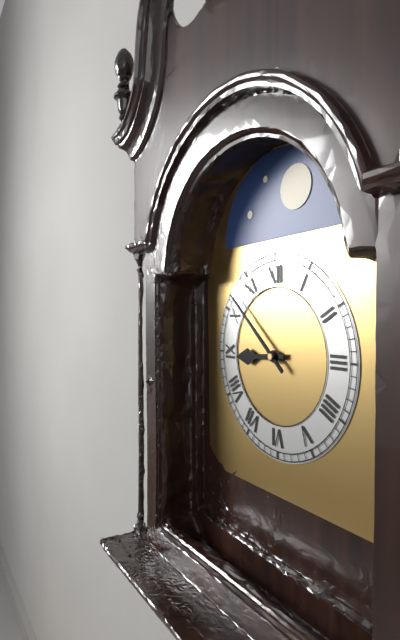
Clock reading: {"hour": 8, "minute": 52}
